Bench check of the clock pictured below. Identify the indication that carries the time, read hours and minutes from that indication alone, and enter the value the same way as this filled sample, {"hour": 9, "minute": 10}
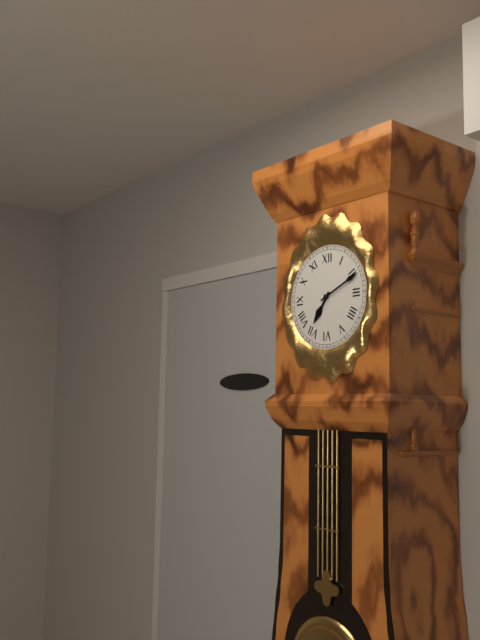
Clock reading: {"hour": 7, "minute": 11}
